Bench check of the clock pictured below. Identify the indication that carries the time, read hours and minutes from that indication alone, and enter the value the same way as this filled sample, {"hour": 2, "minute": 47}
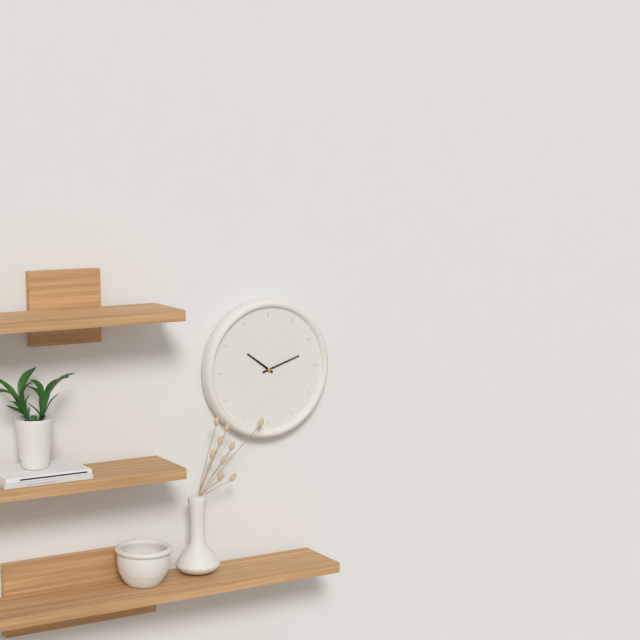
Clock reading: {"hour": 10, "minute": 12}
